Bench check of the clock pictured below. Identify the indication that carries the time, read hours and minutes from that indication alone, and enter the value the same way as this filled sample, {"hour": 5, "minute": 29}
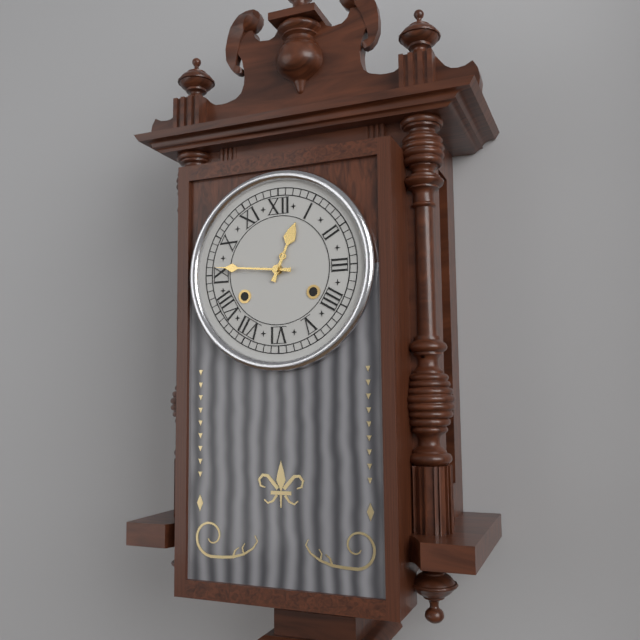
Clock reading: {"hour": 12, "minute": 46}
